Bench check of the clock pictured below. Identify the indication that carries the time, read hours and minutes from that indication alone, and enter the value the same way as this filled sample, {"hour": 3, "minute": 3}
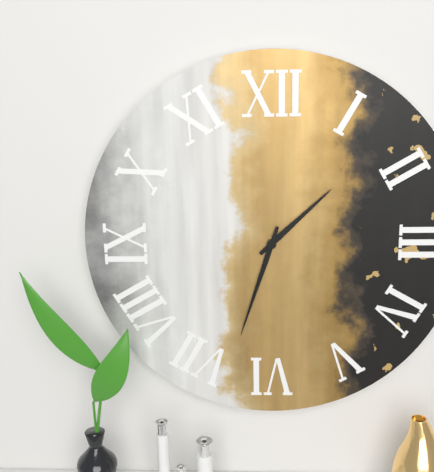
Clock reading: {"hour": 1, "minute": 33}
